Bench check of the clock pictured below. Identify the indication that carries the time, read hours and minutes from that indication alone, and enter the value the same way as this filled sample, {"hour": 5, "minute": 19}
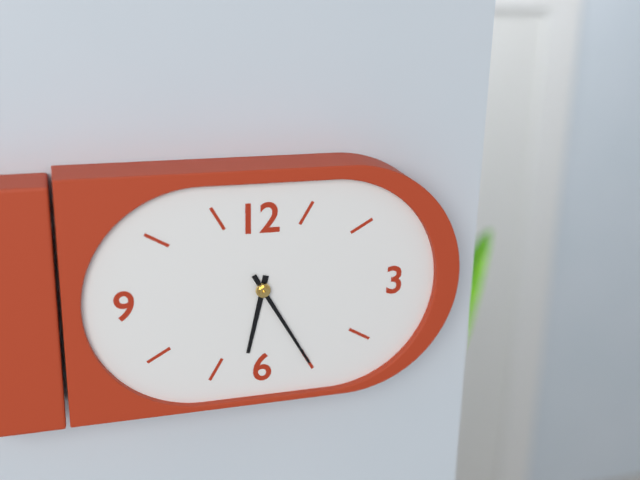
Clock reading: {"hour": 6, "minute": 25}
